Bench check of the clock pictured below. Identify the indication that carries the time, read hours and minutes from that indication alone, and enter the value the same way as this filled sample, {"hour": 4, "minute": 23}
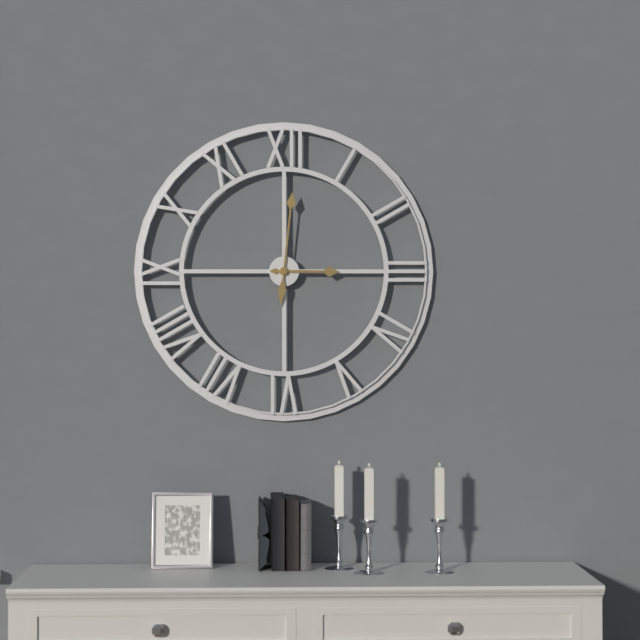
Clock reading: {"hour": 3, "minute": 1}
